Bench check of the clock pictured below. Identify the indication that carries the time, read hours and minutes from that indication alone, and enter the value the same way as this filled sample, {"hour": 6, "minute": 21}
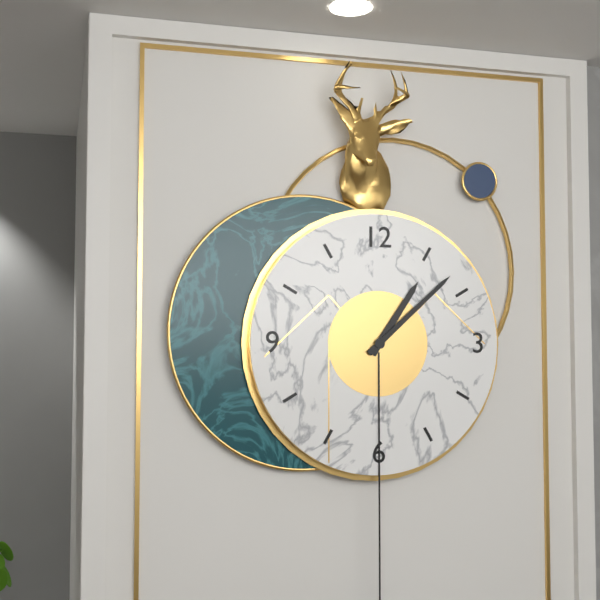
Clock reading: {"hour": 1, "minute": 8}
